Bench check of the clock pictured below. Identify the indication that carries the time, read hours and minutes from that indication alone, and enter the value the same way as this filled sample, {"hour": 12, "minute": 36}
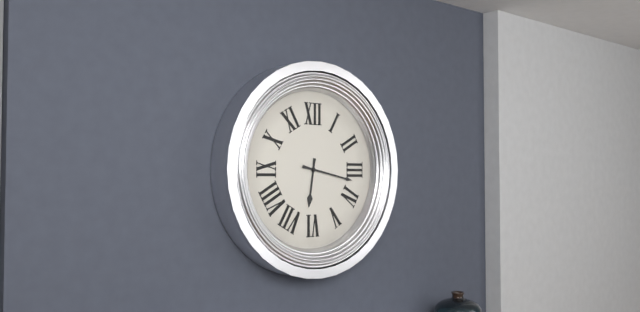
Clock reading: {"hour": 6, "minute": 17}
